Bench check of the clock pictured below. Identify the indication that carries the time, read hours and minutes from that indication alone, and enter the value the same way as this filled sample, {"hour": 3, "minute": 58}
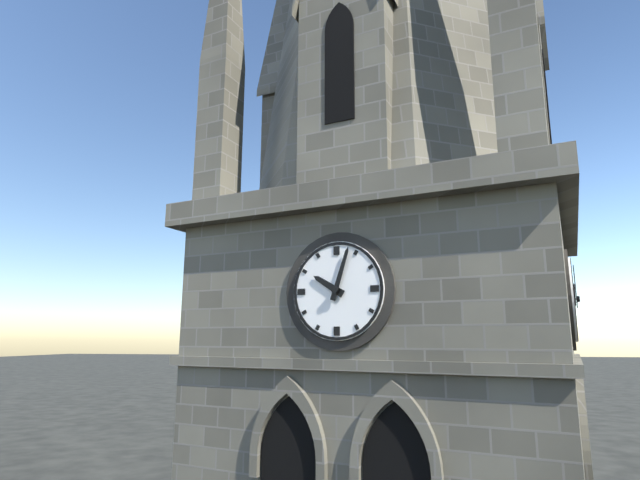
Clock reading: {"hour": 10, "minute": 3}
